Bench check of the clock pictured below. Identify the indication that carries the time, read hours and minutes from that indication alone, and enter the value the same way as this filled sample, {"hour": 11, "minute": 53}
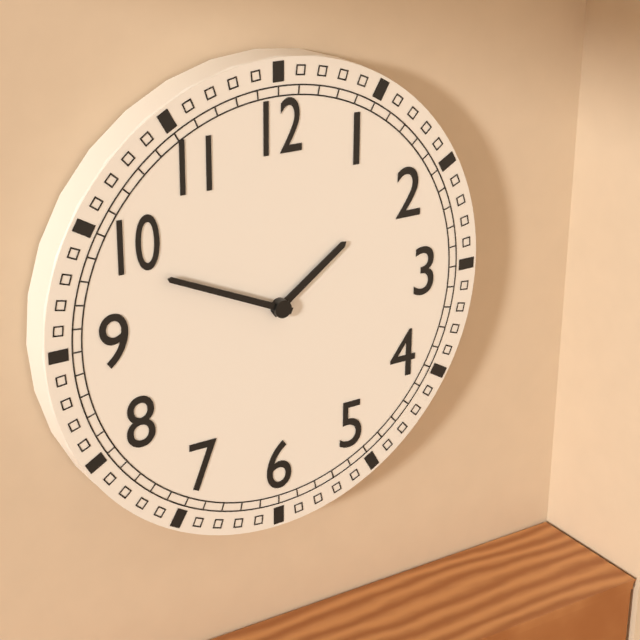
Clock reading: {"hour": 1, "minute": 49}
